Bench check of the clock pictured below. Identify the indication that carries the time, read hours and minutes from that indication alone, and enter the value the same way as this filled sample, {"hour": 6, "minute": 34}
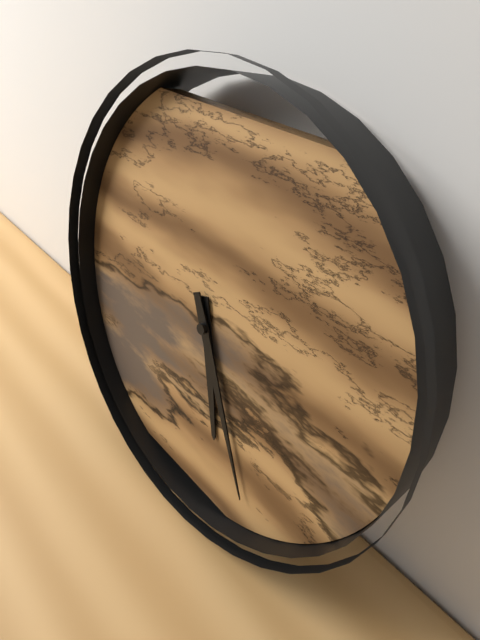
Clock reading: {"hour": 5, "minute": 25}
